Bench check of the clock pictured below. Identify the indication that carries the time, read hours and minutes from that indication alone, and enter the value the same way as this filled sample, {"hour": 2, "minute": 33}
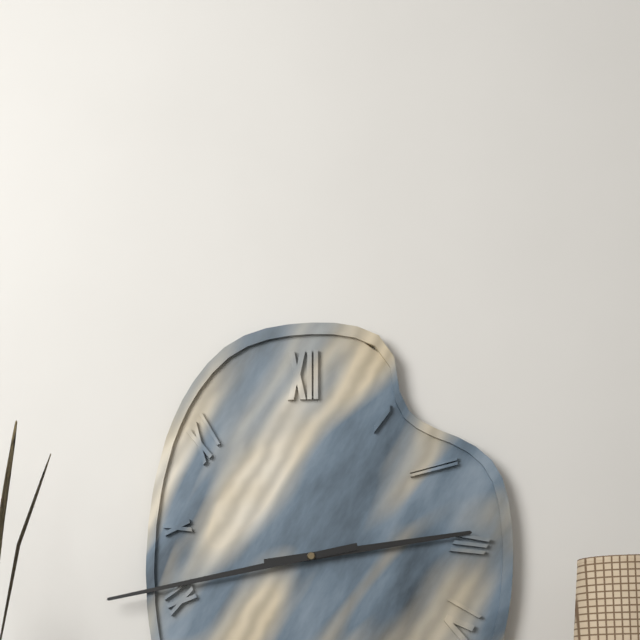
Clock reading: {"hour": 2, "minute": 43}
